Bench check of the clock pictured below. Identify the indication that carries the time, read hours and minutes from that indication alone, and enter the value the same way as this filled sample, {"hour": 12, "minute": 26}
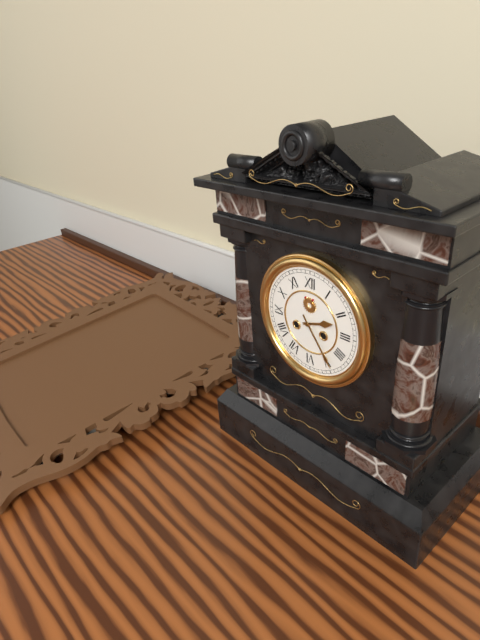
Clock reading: {"hour": 2, "minute": 24}
